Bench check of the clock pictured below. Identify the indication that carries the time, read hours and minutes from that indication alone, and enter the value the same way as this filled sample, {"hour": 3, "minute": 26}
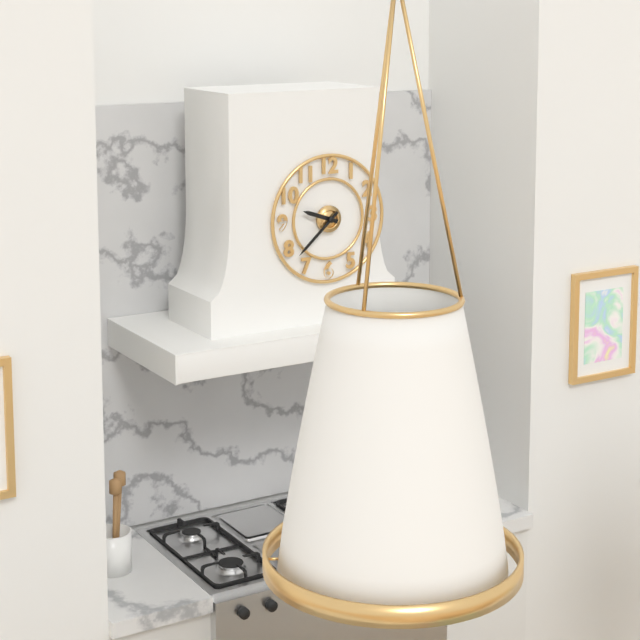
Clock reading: {"hour": 9, "minute": 38}
